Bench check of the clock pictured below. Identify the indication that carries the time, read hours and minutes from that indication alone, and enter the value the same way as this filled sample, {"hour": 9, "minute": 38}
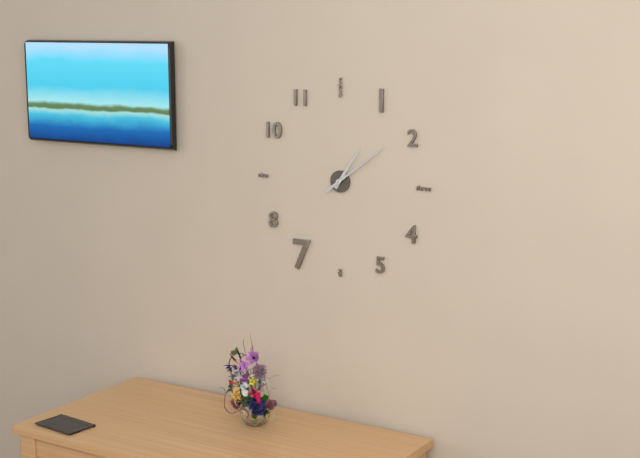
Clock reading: {"hour": 1, "minute": 9}
